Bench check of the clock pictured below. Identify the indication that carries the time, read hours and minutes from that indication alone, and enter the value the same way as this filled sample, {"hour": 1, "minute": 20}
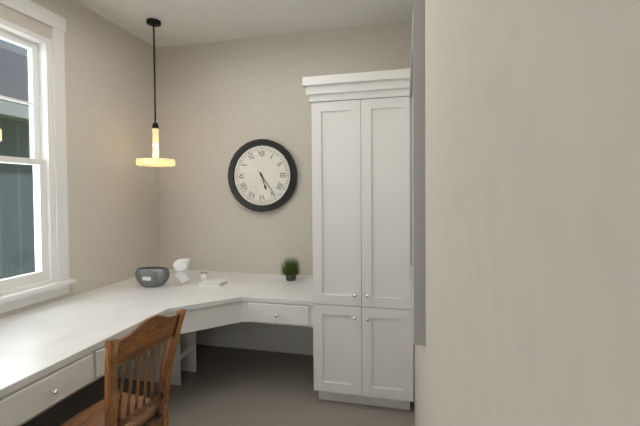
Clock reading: {"hour": 5, "minute": 24}
